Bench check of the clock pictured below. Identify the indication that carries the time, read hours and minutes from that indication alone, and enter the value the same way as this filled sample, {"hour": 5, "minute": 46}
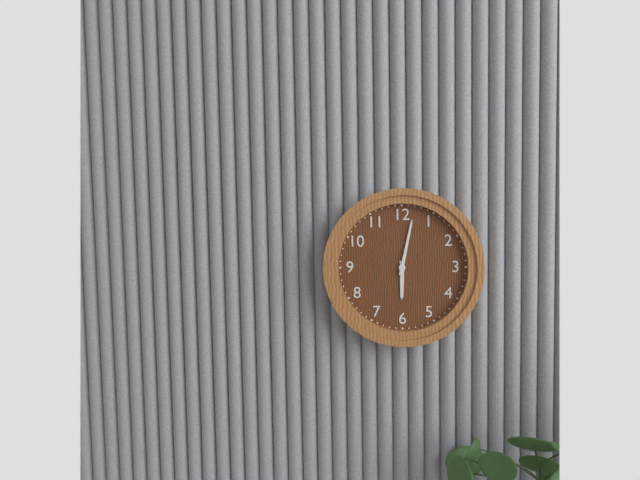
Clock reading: {"hour": 6, "minute": 2}
